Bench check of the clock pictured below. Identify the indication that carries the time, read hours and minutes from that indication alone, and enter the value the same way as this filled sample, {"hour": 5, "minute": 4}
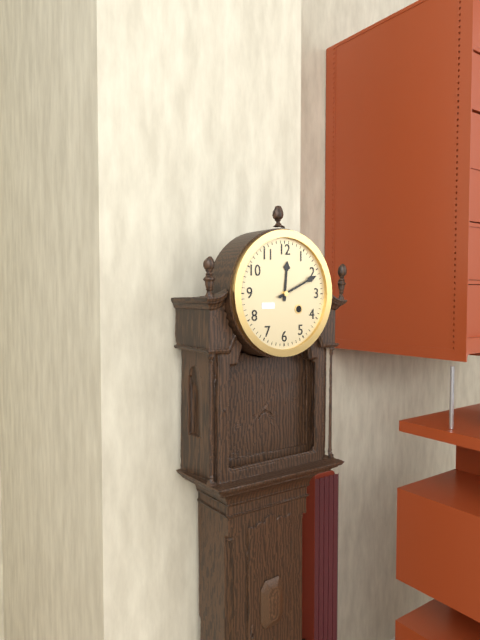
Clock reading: {"hour": 12, "minute": 11}
